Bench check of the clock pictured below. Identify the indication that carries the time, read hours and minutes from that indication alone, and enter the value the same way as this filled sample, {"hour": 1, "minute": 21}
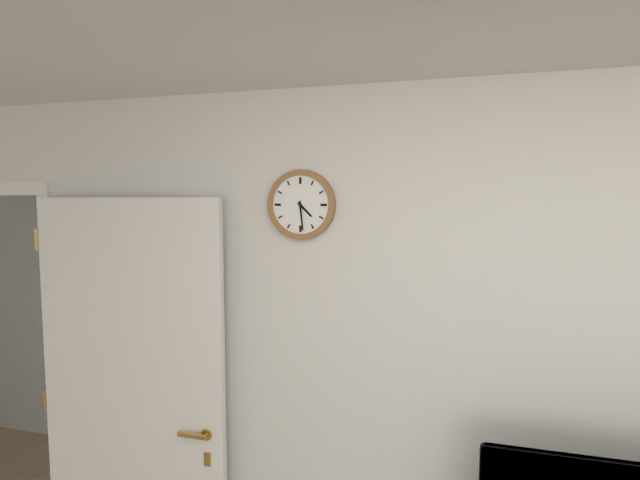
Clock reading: {"hour": 4, "minute": 29}
